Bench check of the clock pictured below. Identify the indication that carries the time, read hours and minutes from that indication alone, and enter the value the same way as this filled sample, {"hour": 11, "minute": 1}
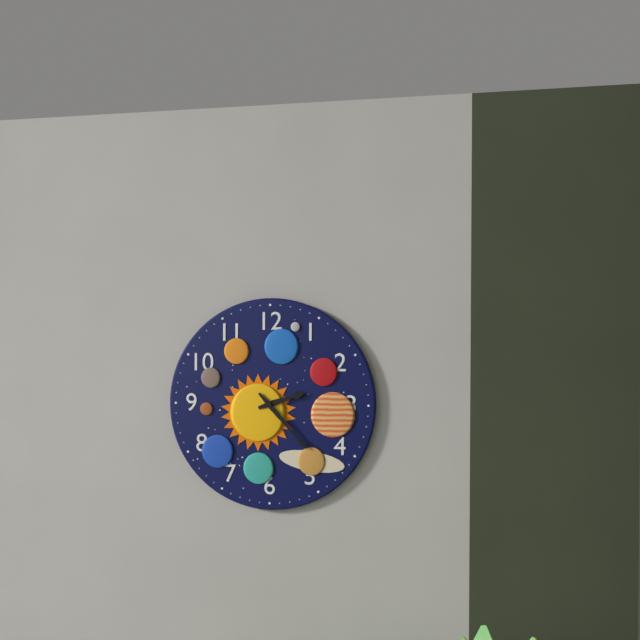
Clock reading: {"hour": 2, "minute": 23}
